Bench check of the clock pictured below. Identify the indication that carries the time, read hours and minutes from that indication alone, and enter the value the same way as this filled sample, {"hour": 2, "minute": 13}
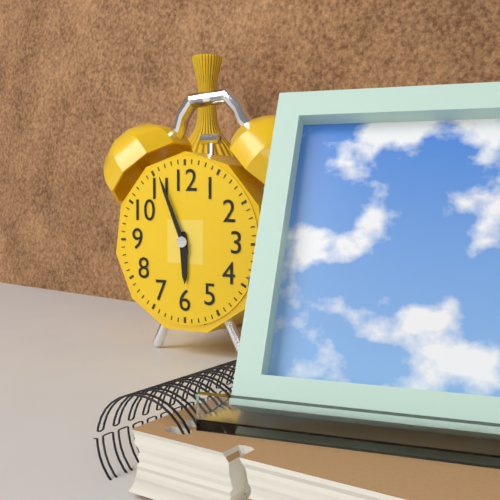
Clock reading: {"hour": 5, "minute": 56}
